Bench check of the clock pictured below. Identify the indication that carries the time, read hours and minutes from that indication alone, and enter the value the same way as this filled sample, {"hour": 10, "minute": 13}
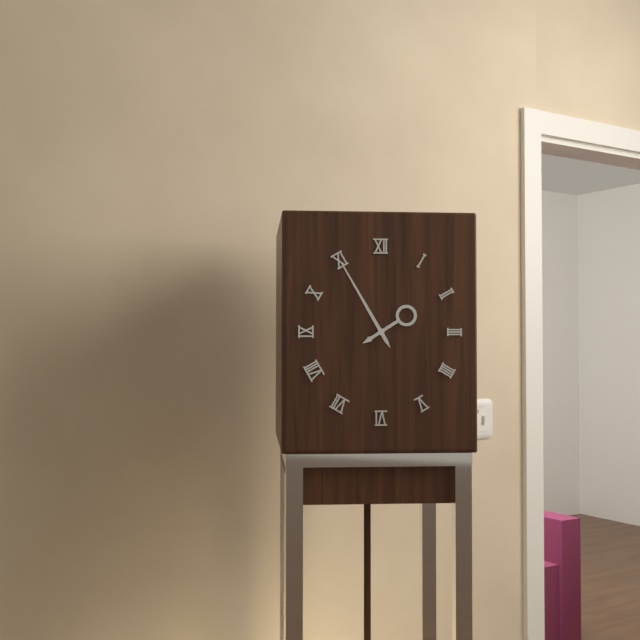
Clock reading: {"hour": 1, "minute": 55}
